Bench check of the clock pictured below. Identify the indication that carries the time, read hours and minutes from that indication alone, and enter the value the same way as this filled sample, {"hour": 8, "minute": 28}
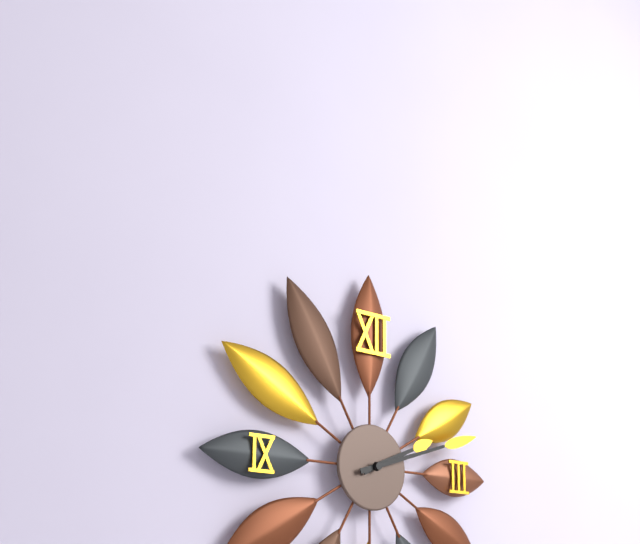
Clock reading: {"hour": 2, "minute": 12}
